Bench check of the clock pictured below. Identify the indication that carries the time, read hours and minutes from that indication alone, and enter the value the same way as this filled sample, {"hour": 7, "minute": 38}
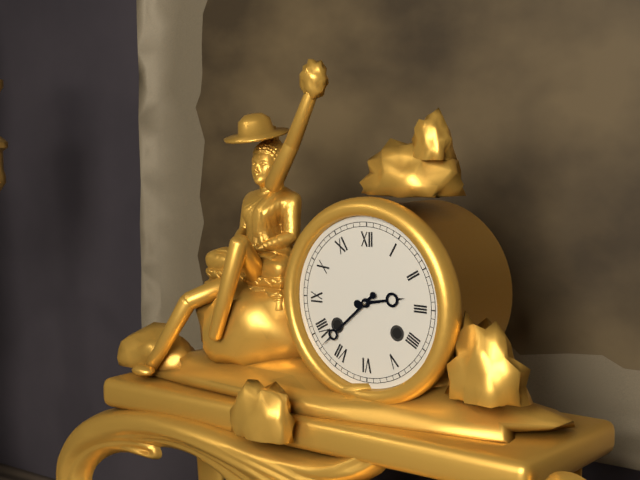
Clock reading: {"hour": 2, "minute": 38}
